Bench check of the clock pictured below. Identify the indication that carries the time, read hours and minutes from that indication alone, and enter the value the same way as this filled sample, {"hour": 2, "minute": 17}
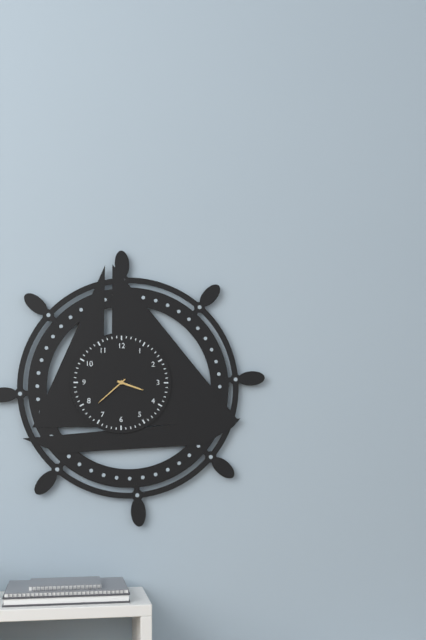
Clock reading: {"hour": 3, "minute": 38}
